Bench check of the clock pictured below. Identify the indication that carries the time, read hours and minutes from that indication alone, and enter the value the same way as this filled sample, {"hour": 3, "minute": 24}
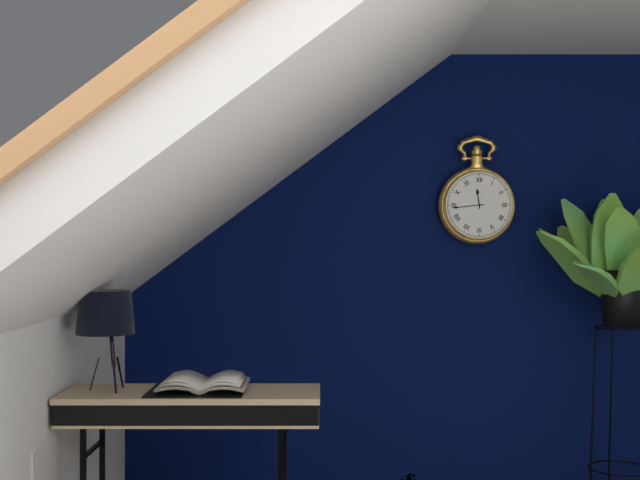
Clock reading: {"hour": 11, "minute": 44}
